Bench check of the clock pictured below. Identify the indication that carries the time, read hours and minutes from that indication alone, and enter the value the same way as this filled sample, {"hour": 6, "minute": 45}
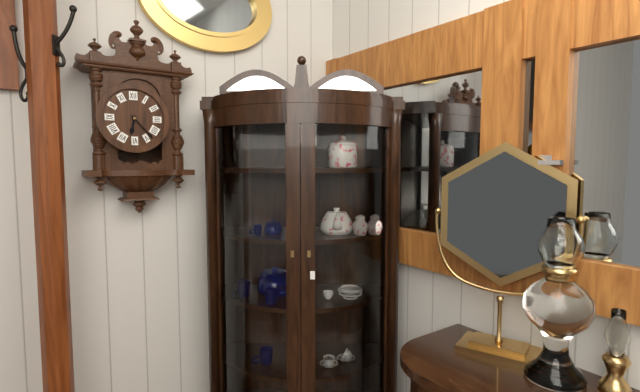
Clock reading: {"hour": 6, "minute": 23}
